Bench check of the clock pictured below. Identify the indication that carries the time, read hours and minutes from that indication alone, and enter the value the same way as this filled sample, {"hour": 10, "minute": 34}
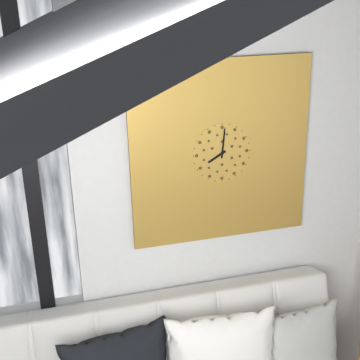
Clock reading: {"hour": 8, "minute": 1}
